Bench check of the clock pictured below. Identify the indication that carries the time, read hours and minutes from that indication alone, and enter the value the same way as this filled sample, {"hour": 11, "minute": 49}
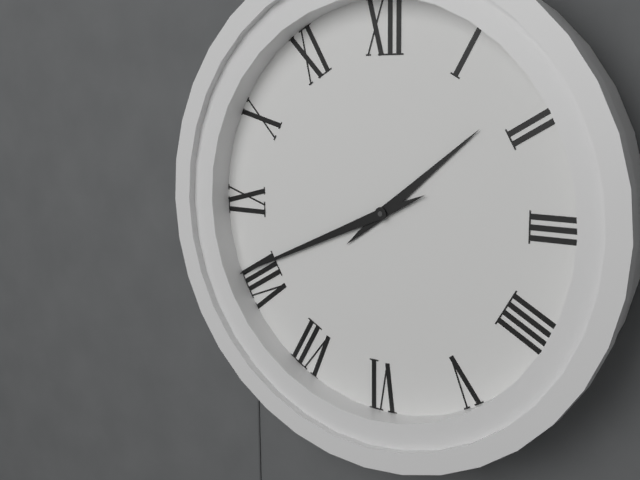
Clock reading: {"hour": 1, "minute": 41}
